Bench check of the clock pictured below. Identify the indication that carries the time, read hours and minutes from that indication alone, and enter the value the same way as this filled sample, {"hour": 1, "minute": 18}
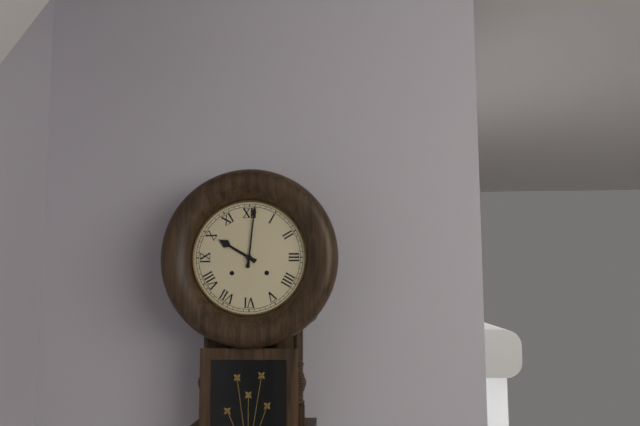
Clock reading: {"hour": 10, "minute": 1}
